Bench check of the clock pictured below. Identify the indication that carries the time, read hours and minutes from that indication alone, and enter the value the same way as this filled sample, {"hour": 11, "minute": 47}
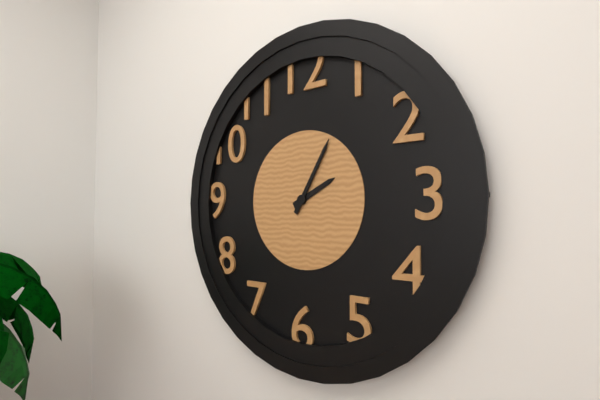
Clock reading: {"hour": 2, "minute": 5}
